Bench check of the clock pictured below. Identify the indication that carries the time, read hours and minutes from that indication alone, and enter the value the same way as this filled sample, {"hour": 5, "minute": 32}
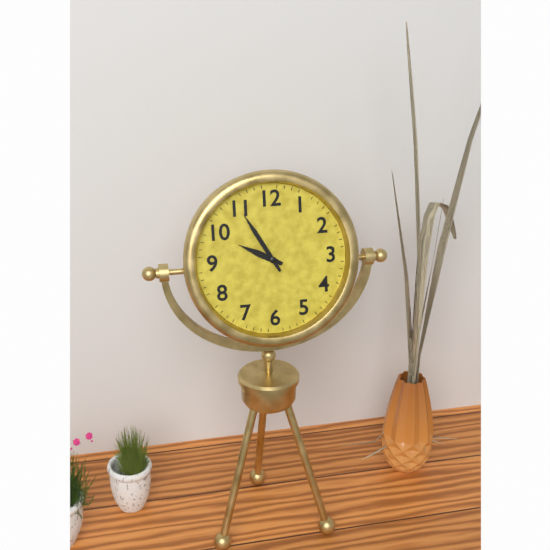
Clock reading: {"hour": 9, "minute": 55}
